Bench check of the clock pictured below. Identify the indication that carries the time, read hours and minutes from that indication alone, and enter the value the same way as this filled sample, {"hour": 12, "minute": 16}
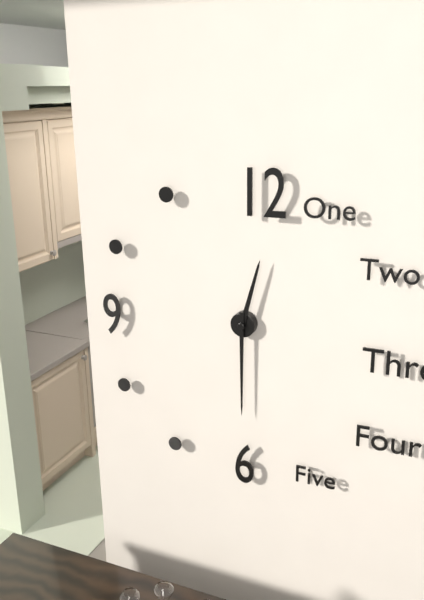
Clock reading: {"hour": 12, "minute": 30}
